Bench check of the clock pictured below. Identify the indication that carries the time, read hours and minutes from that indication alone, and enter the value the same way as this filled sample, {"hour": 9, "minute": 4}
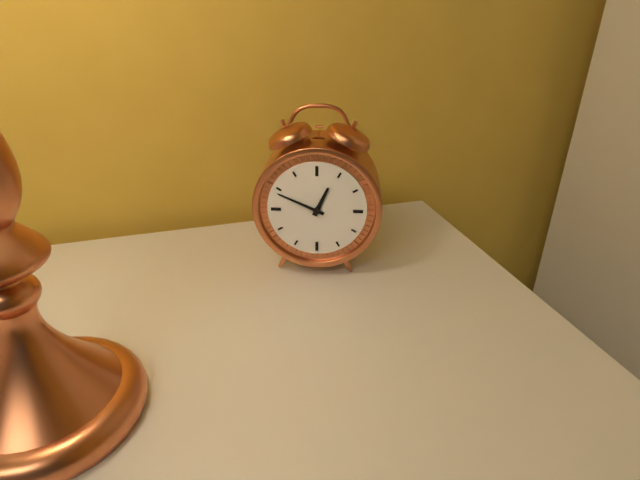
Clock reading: {"hour": 12, "minute": 49}
